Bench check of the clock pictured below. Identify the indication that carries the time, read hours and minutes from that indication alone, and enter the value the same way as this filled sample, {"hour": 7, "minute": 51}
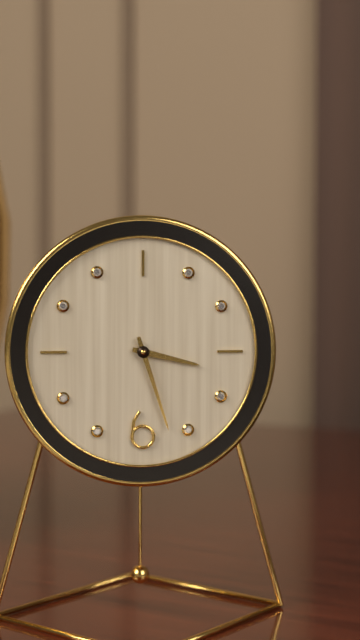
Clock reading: {"hour": 3, "minute": 27}
